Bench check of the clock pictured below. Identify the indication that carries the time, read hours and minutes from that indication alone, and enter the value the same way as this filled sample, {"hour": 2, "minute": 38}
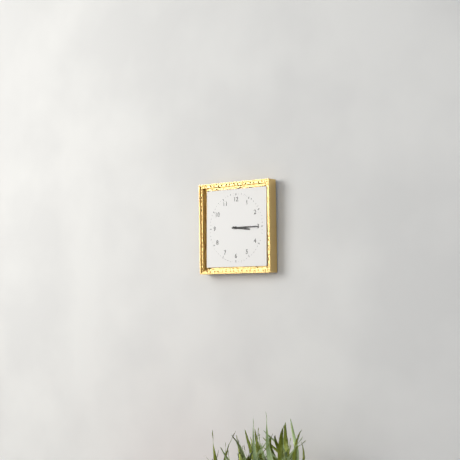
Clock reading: {"hour": 3, "minute": 15}
